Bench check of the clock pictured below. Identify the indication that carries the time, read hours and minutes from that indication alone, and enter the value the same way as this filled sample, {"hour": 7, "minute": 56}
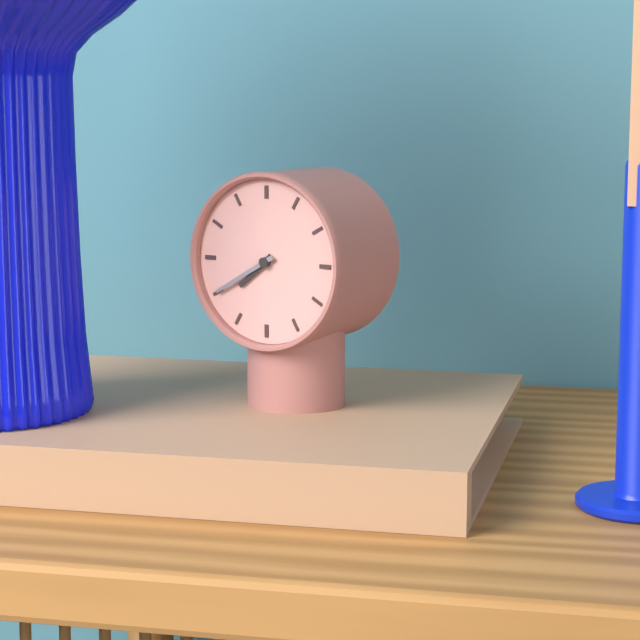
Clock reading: {"hour": 7, "minute": 40}
